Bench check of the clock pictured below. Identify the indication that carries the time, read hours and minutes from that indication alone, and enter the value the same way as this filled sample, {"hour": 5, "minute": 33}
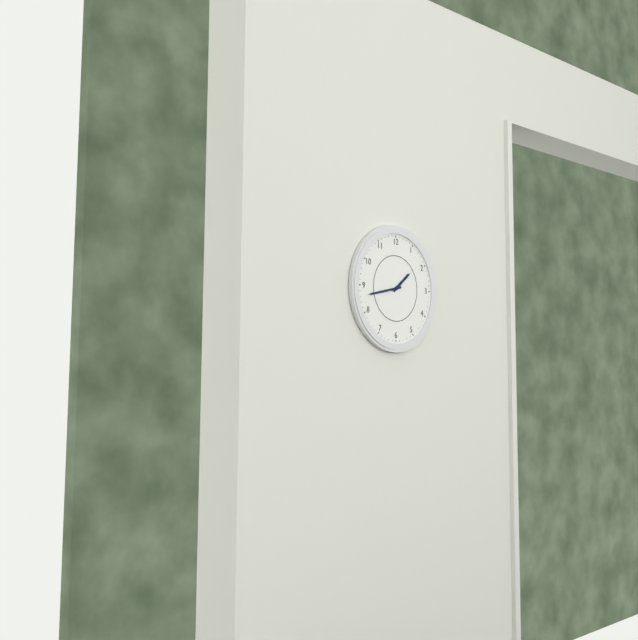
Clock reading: {"hour": 1, "minute": 43}
